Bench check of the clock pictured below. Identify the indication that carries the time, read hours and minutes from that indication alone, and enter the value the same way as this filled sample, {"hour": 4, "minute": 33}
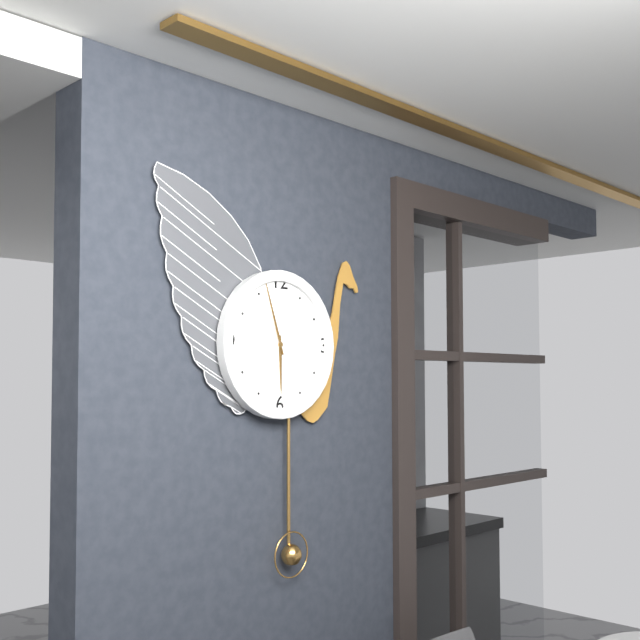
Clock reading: {"hour": 5, "minute": 57}
